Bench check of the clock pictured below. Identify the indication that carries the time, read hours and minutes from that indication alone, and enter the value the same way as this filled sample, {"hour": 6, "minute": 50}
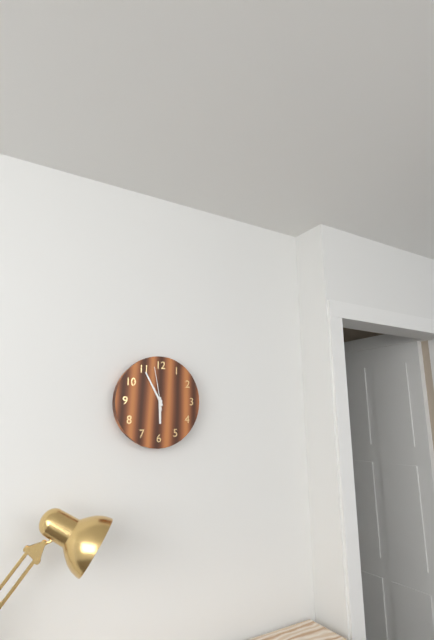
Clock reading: {"hour": 5, "minute": 55}
